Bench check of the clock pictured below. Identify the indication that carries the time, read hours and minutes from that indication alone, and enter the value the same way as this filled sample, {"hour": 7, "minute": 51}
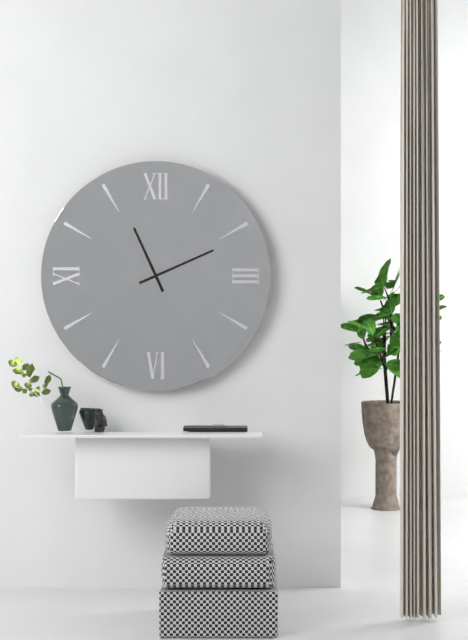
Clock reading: {"hour": 11, "minute": 11}
